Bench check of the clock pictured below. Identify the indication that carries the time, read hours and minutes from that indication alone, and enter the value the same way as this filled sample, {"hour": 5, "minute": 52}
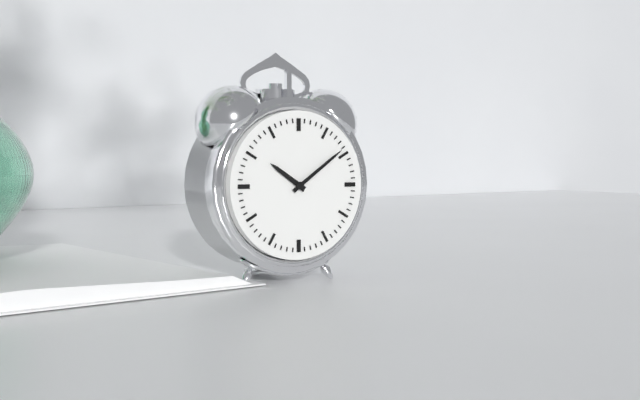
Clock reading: {"hour": 10, "minute": 9}
